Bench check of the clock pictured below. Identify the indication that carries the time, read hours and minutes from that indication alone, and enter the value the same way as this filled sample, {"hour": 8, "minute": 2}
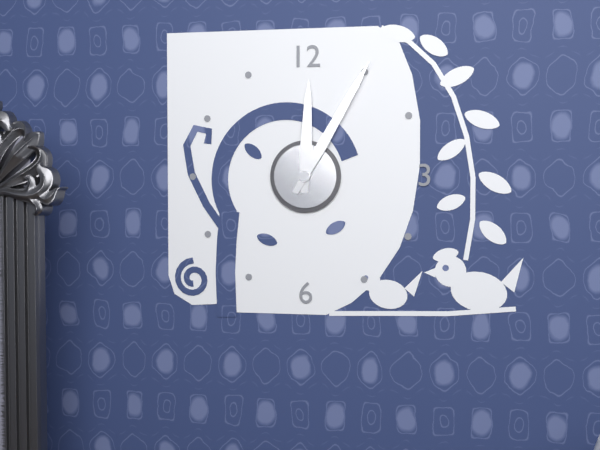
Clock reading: {"hour": 12, "minute": 5}
